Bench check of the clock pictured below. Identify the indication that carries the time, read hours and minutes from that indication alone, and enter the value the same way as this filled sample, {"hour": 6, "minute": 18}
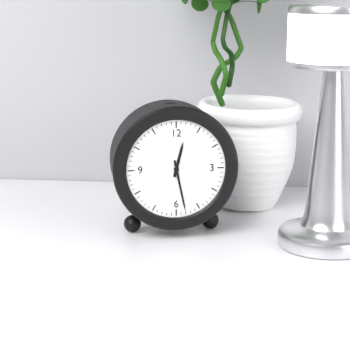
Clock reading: {"hour": 12, "minute": 28}
